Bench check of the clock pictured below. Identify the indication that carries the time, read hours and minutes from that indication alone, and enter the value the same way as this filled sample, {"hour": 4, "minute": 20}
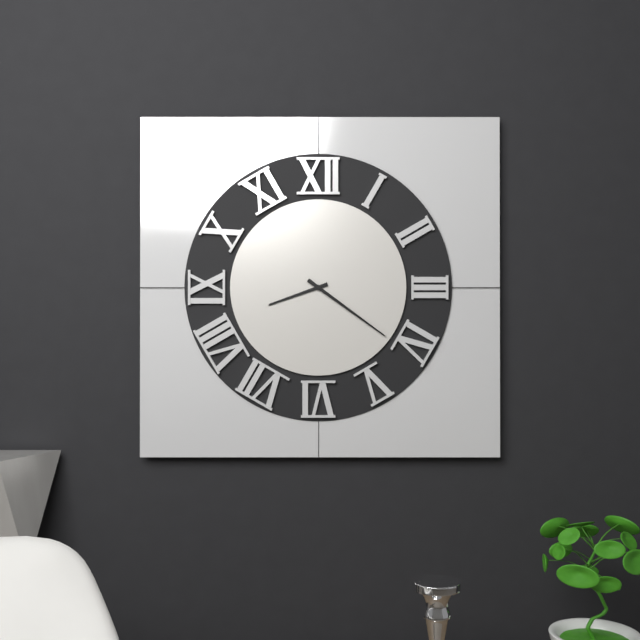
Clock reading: {"hour": 8, "minute": 21}
